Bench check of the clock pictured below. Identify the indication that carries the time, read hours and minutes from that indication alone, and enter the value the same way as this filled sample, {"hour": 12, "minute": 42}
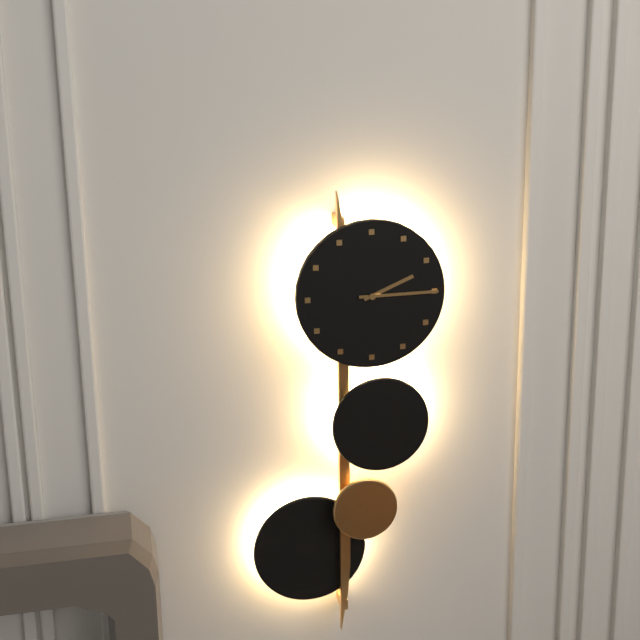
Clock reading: {"hour": 2, "minute": 15}
